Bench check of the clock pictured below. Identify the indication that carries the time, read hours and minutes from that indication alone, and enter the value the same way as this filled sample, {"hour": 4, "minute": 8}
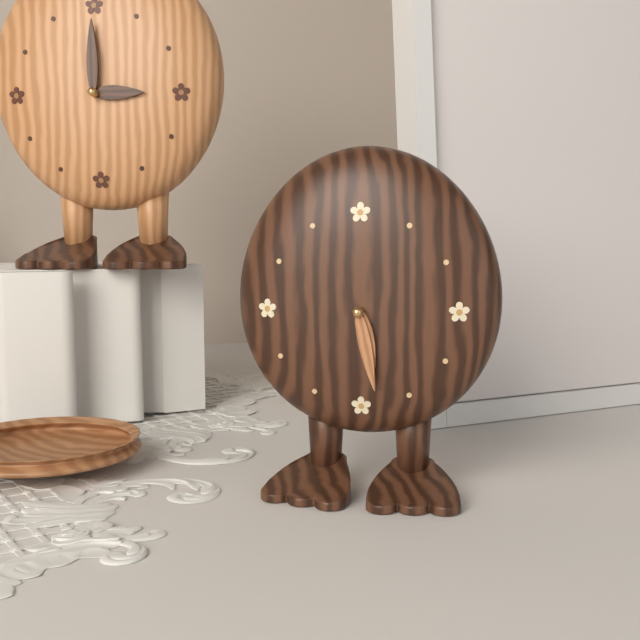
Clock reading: {"hour": 5, "minute": 28}
